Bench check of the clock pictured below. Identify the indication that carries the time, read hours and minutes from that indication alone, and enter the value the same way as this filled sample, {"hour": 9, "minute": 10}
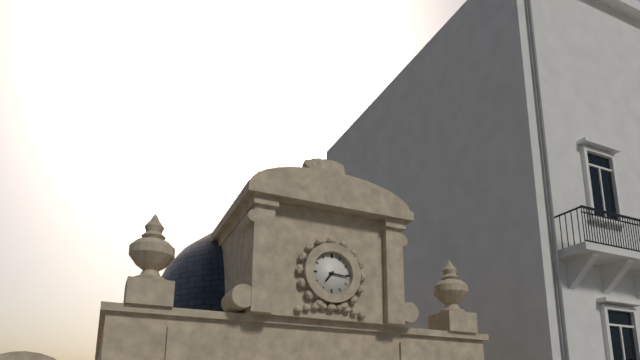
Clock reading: {"hour": 7, "minute": 16}
